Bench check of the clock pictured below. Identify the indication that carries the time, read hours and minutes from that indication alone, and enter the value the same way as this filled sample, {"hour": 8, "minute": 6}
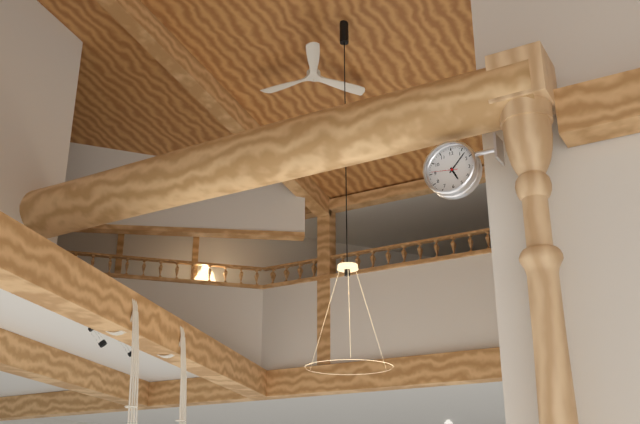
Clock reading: {"hour": 5, "minute": 7}
